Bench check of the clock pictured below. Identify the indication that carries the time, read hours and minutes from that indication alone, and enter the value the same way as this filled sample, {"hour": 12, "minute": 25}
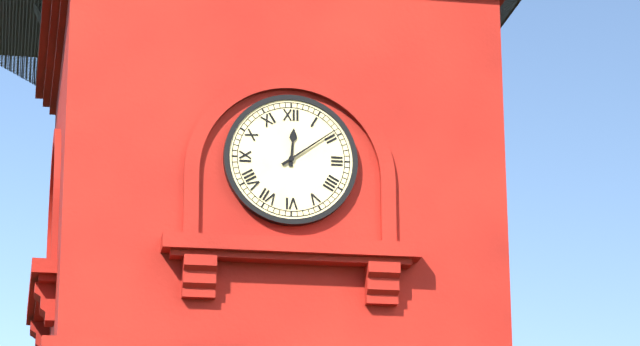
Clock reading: {"hour": 12, "minute": 9}
